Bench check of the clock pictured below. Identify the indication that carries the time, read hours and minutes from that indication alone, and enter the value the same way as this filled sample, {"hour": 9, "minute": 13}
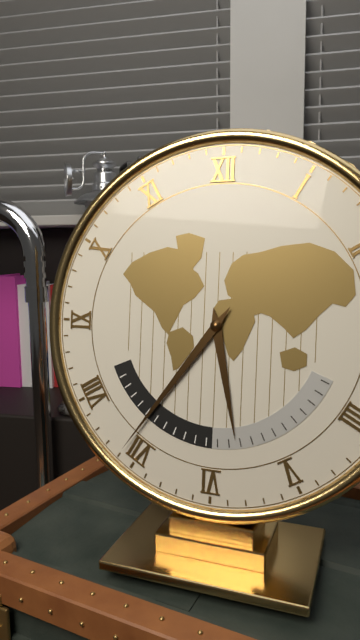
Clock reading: {"hour": 5, "minute": 36}
